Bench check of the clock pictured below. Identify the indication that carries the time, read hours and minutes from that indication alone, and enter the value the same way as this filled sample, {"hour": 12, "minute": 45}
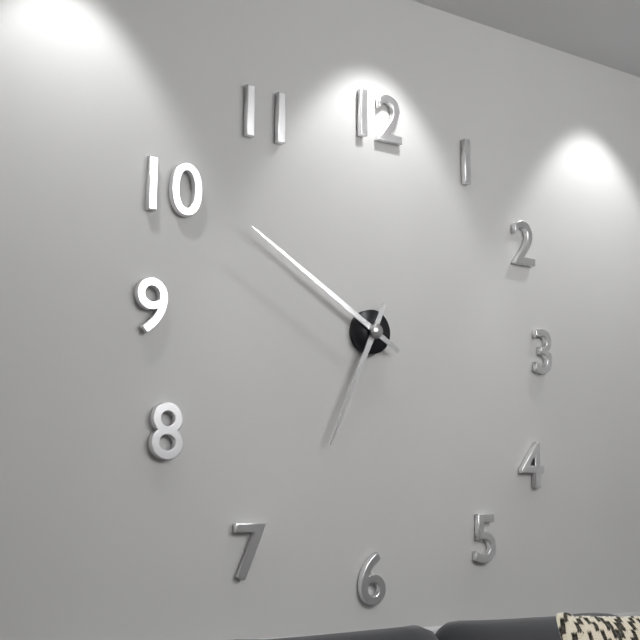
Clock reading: {"hour": 6, "minute": 50}
